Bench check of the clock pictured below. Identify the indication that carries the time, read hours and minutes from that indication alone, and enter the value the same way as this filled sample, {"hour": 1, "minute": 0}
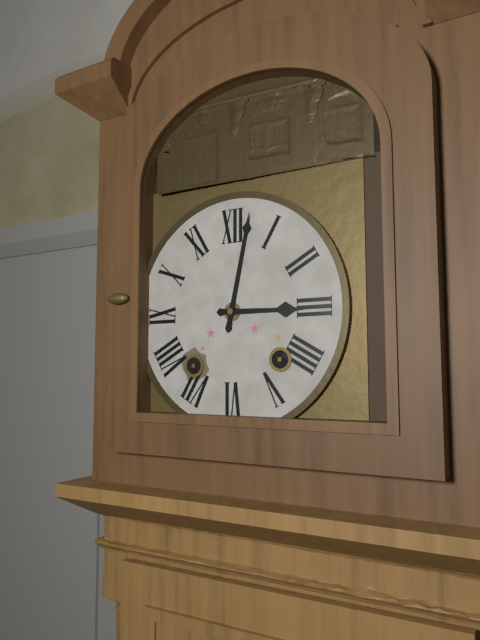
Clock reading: {"hour": 3, "minute": 2}
